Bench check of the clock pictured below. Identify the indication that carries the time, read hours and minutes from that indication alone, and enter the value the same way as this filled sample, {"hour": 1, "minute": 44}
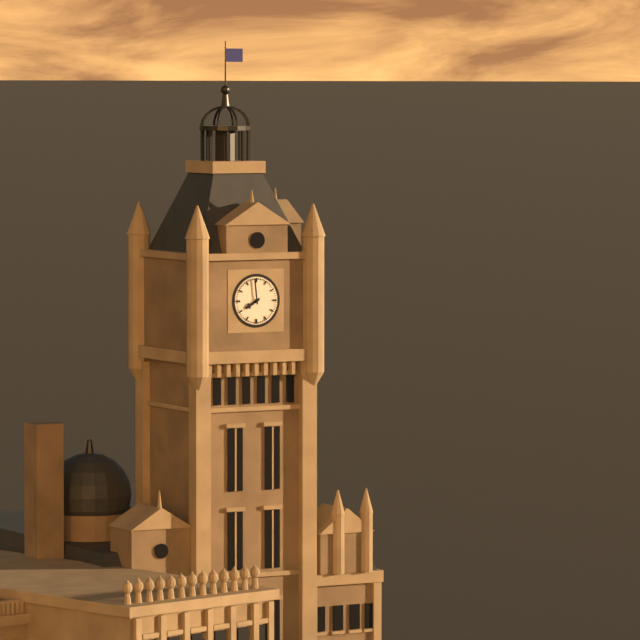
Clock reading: {"hour": 7, "minute": 59}
